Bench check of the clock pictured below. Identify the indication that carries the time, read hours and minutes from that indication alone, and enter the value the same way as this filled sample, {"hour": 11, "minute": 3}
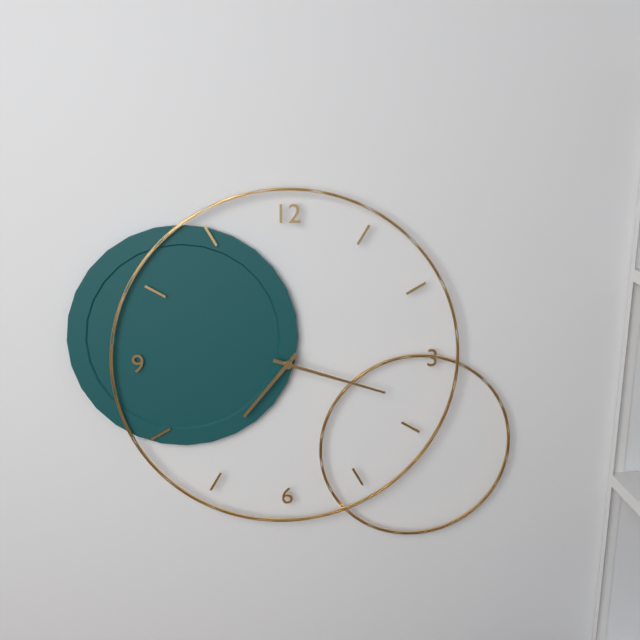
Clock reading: {"hour": 7, "minute": 18}
